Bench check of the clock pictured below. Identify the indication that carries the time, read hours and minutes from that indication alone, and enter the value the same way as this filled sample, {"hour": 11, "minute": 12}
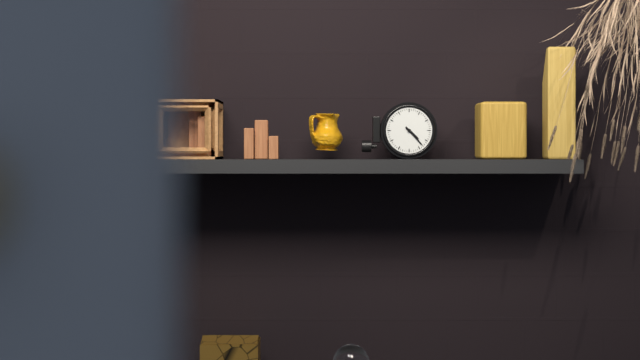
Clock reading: {"hour": 4, "minute": 23}
